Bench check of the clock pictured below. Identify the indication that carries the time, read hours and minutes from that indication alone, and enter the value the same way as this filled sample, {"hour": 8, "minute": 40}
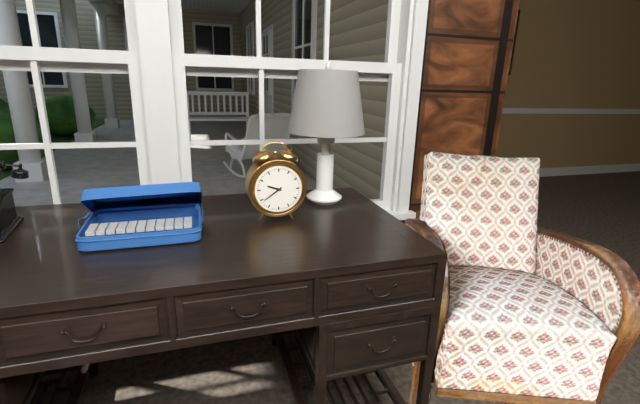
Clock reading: {"hour": 9, "minute": 39}
